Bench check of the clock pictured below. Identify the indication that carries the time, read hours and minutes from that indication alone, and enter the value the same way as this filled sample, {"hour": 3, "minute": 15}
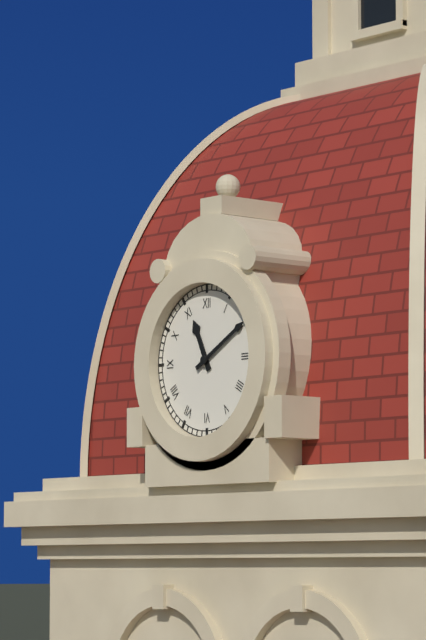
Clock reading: {"hour": 11, "minute": 10}
